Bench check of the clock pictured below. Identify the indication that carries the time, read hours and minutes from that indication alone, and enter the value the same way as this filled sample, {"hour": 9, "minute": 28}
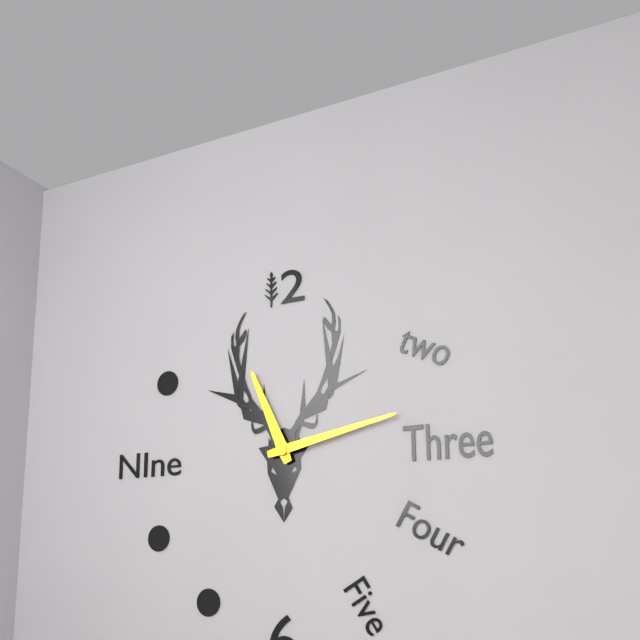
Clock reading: {"hour": 11, "minute": 13}
